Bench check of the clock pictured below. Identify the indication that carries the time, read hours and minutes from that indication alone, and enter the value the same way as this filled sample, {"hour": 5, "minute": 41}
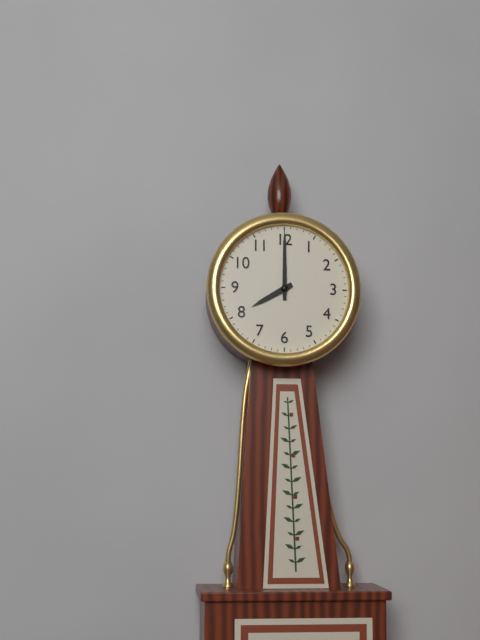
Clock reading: {"hour": 8, "minute": 0}
